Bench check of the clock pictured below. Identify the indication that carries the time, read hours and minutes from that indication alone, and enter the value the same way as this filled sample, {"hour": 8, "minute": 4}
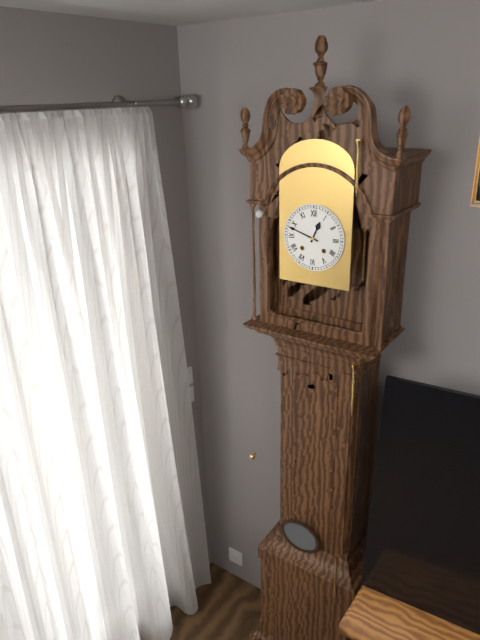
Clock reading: {"hour": 12, "minute": 48}
